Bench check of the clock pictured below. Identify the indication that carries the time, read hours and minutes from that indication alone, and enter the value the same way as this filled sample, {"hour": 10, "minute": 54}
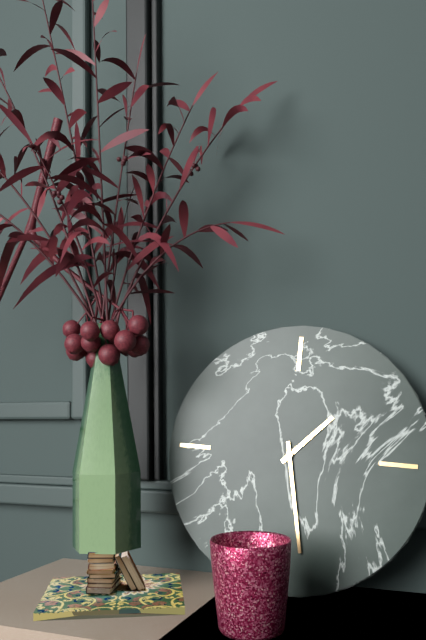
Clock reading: {"hour": 1, "minute": 28}
